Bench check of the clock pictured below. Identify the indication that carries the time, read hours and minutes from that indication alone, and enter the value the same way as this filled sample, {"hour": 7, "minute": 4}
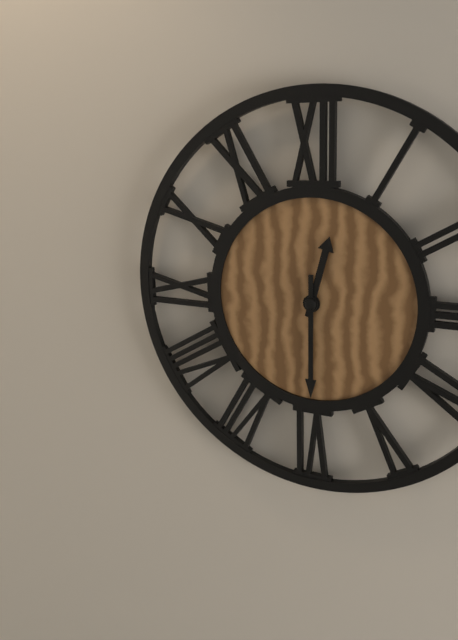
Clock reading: {"hour": 12, "minute": 30}
